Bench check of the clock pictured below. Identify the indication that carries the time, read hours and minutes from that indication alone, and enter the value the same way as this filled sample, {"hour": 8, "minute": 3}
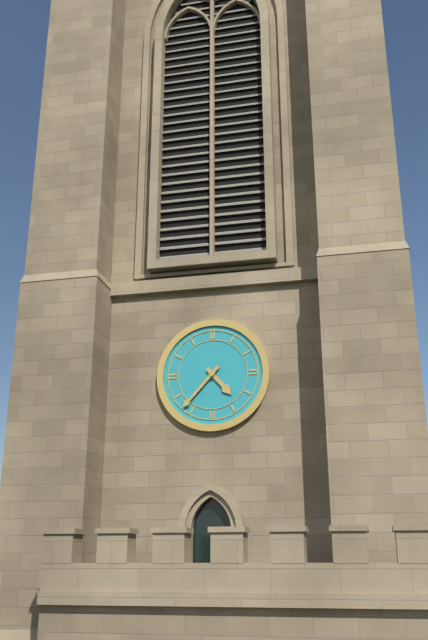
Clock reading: {"hour": 4, "minute": 37}
